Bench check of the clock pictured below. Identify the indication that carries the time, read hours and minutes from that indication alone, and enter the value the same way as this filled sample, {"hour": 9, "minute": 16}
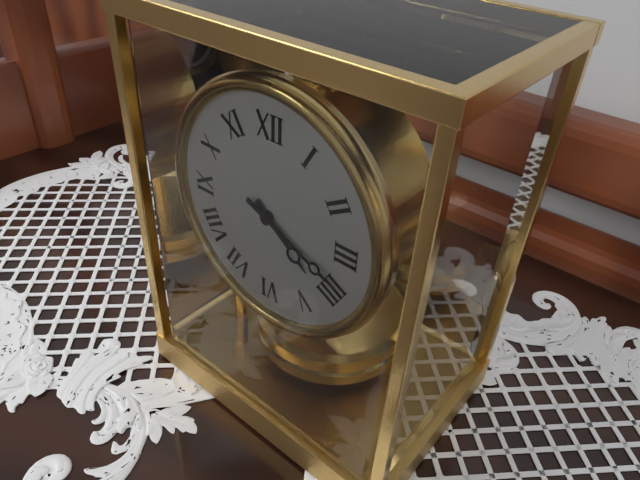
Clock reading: {"hour": 4, "minute": 19}
